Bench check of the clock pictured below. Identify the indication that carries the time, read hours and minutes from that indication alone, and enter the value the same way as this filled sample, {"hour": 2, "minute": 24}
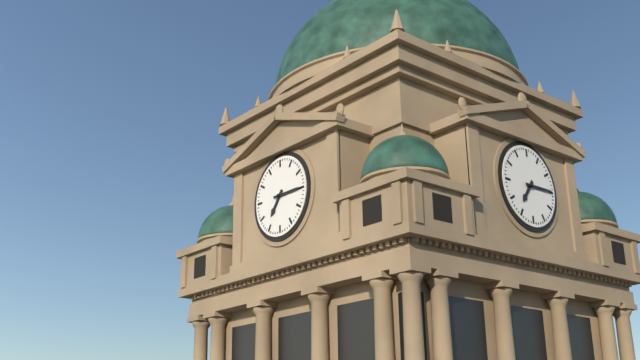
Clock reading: {"hour": 7, "minute": 15}
